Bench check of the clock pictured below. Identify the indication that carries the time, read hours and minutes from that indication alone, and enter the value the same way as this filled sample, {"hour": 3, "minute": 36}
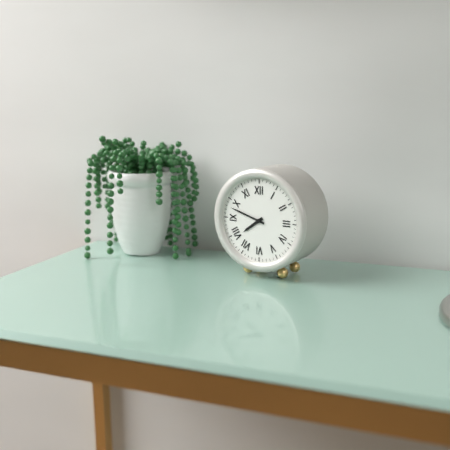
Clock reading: {"hour": 7, "minute": 48}
